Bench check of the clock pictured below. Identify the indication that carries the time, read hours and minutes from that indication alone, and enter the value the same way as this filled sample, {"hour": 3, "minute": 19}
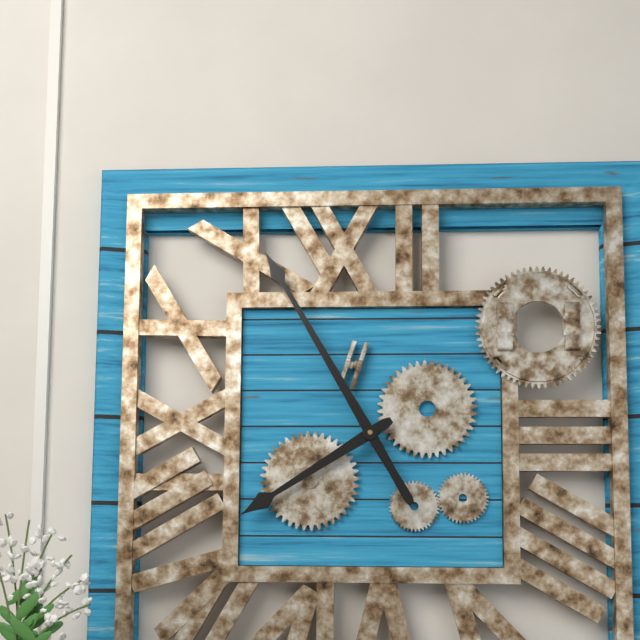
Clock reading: {"hour": 7, "minute": 55}
